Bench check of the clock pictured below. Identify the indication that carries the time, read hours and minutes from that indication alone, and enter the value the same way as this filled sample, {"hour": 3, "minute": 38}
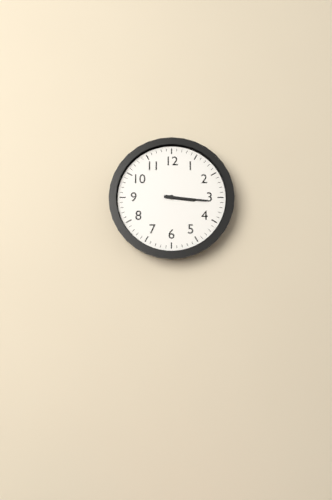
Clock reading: {"hour": 3, "minute": 16}
